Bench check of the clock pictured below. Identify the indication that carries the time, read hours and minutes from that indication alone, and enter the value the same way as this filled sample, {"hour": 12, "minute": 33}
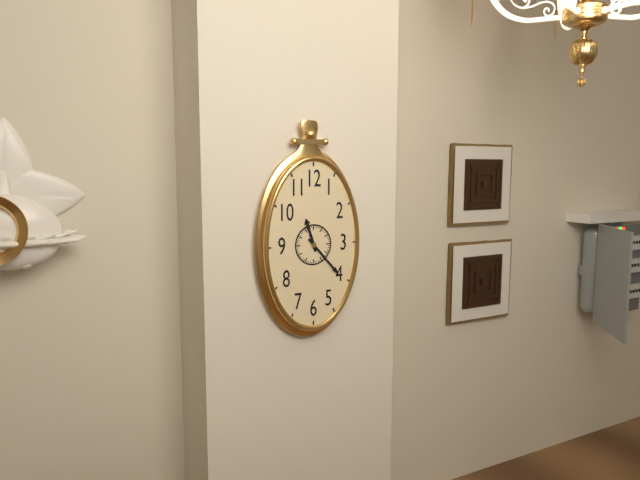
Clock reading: {"hour": 11, "minute": 23}
